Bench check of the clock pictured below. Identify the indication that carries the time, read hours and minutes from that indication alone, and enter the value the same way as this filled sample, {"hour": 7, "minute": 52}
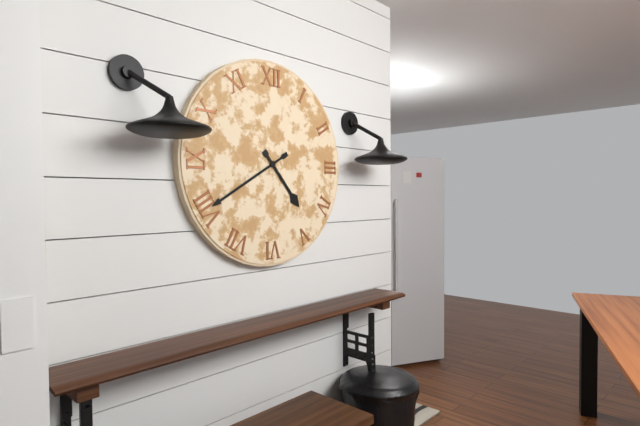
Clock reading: {"hour": 4, "minute": 40}
